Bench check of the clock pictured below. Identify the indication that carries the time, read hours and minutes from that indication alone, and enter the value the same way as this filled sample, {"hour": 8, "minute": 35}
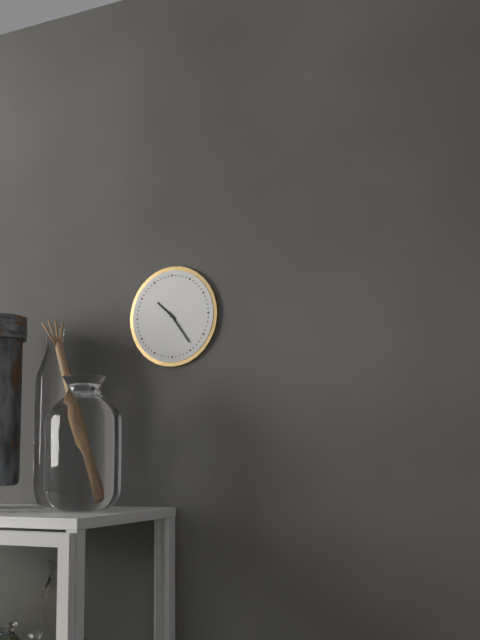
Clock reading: {"hour": 10, "minute": 24}
